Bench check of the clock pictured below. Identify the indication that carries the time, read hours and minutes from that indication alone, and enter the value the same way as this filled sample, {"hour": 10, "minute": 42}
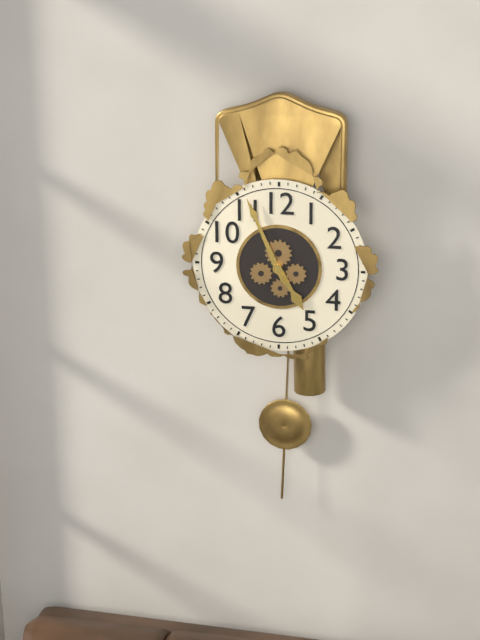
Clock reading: {"hour": 4, "minute": 56}
